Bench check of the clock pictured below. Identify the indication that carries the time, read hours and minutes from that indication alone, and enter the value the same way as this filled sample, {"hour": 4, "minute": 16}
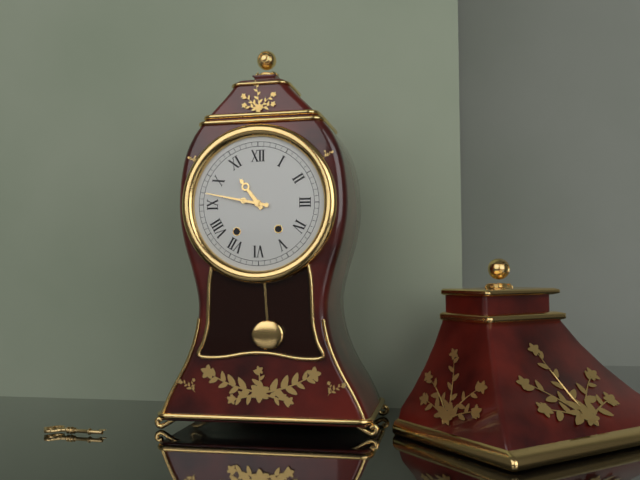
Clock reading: {"hour": 10, "minute": 47}
